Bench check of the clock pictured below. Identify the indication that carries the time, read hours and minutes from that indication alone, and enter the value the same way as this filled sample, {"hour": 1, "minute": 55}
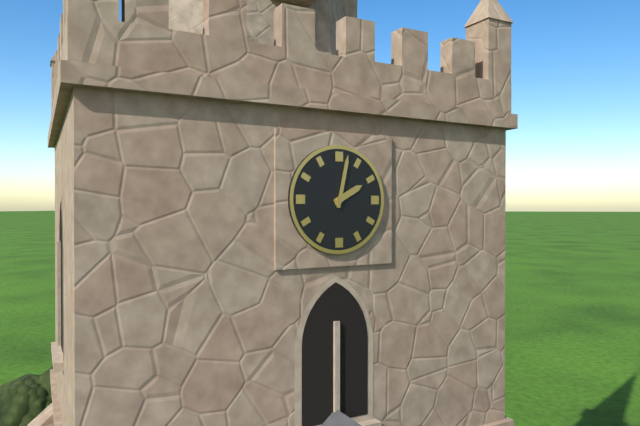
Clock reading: {"hour": 2, "minute": 2}
